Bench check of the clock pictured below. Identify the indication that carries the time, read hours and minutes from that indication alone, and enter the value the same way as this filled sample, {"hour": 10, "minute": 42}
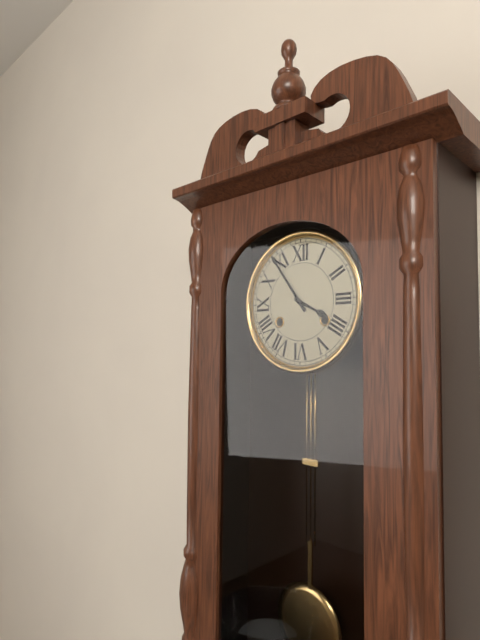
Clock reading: {"hour": 3, "minute": 54}
